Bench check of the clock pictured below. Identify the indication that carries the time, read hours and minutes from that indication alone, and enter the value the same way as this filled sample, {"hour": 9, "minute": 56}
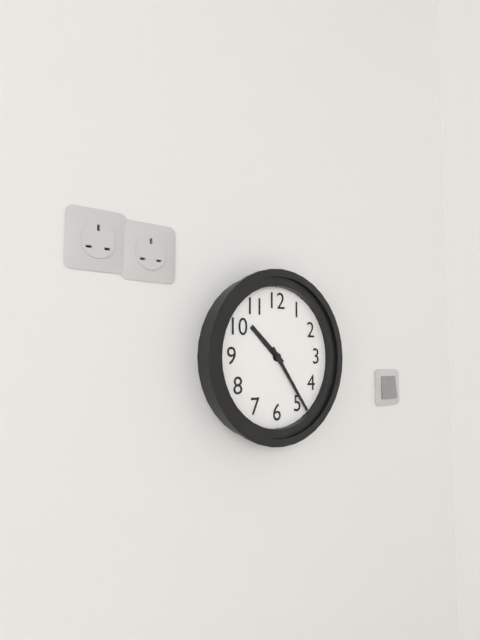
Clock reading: {"hour": 10, "minute": 24}
